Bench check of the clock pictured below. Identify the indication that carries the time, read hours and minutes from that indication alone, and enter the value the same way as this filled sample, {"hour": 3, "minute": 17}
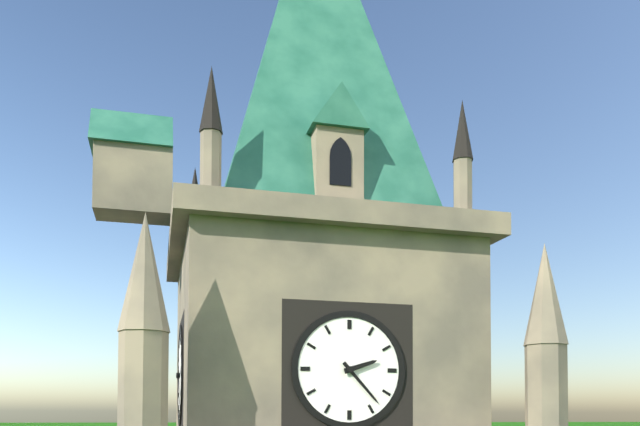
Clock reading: {"hour": 2, "minute": 23}
